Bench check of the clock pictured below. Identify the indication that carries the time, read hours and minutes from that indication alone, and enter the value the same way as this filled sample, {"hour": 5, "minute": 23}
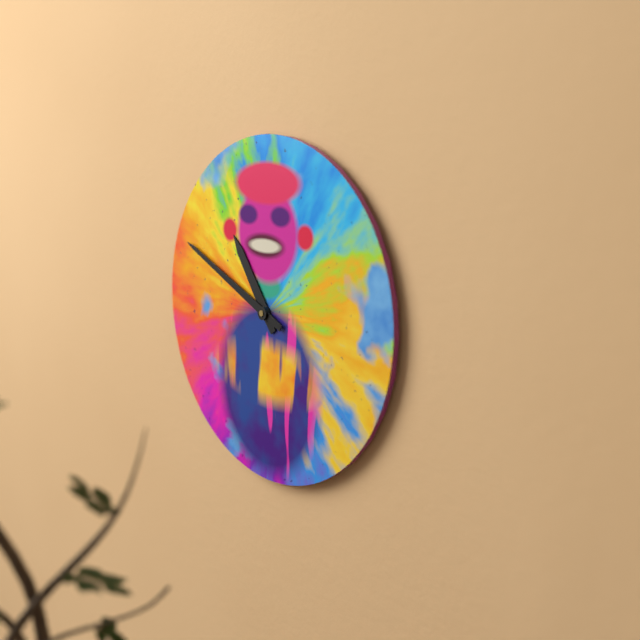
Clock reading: {"hour": 10, "minute": 49}
